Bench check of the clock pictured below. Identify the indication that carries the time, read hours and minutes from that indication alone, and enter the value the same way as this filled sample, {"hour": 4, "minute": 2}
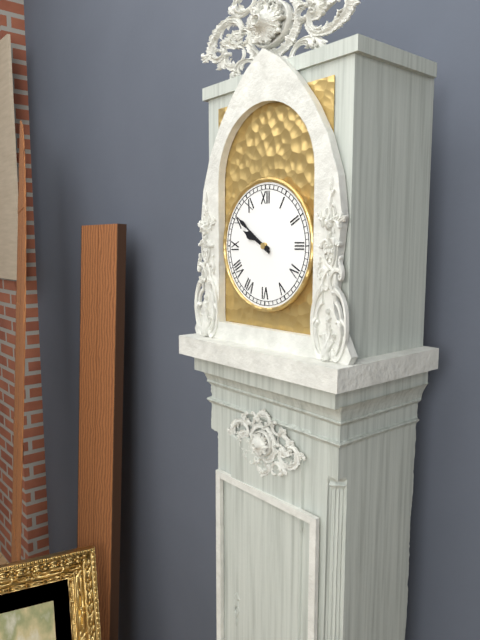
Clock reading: {"hour": 9, "minute": 51}
